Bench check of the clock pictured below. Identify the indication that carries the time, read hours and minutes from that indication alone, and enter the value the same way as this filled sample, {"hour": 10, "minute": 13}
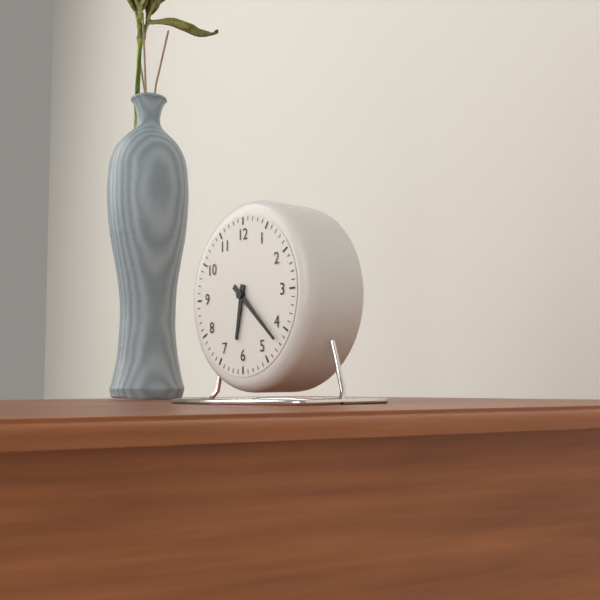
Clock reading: {"hour": 6, "minute": 22}
